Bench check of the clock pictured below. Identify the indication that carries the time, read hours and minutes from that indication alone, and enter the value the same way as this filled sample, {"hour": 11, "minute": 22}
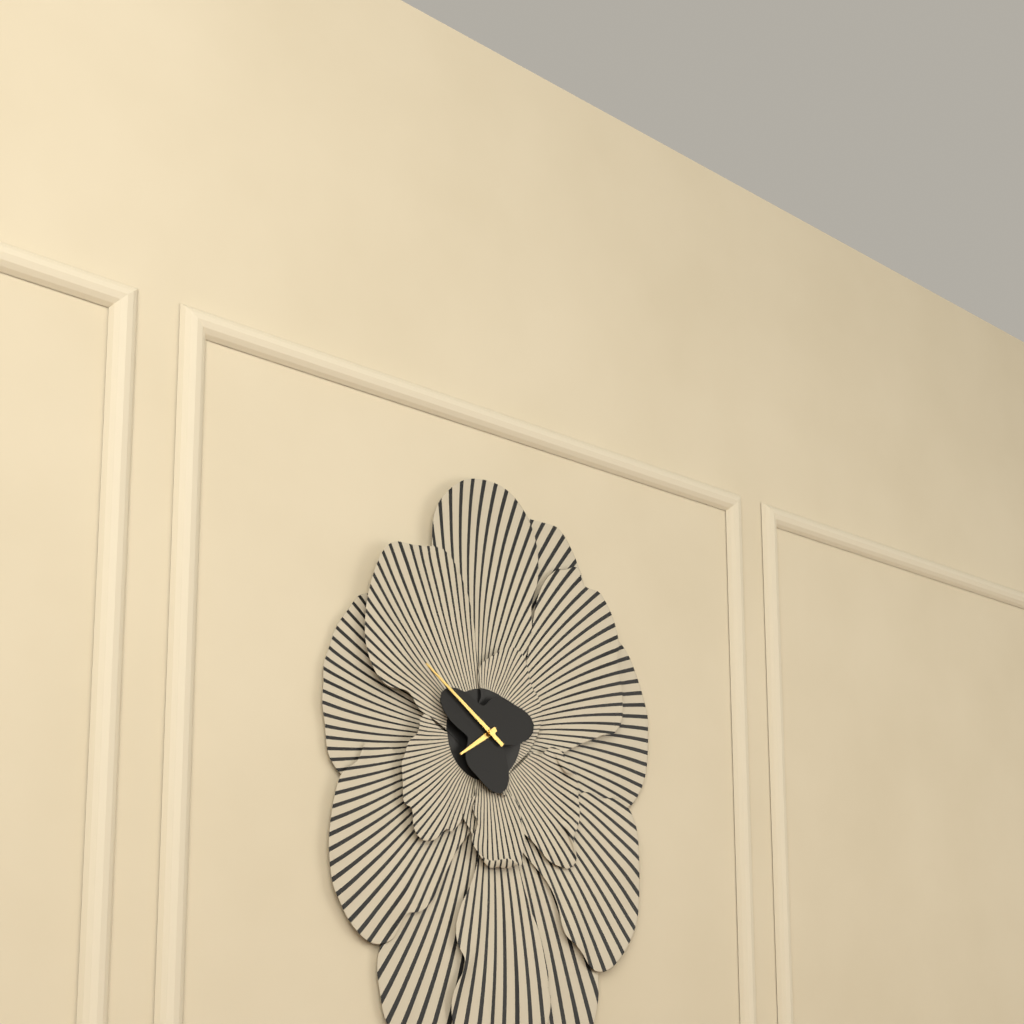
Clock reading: {"hour": 7, "minute": 51}
